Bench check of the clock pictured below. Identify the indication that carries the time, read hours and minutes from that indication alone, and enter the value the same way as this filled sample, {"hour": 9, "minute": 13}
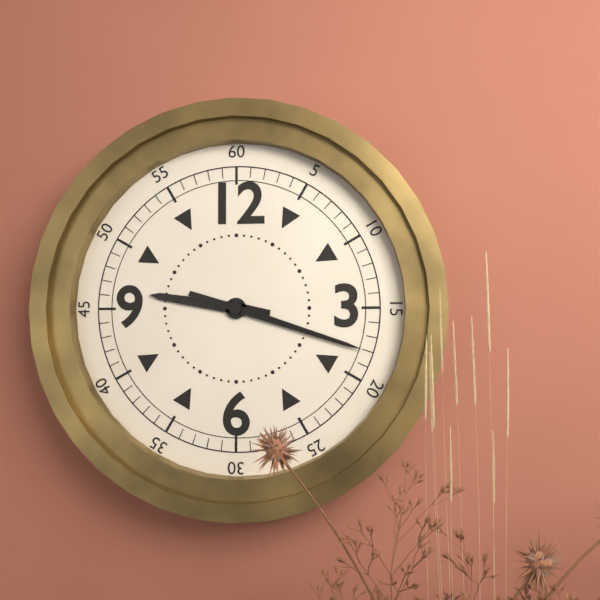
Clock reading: {"hour": 9, "minute": 18}
